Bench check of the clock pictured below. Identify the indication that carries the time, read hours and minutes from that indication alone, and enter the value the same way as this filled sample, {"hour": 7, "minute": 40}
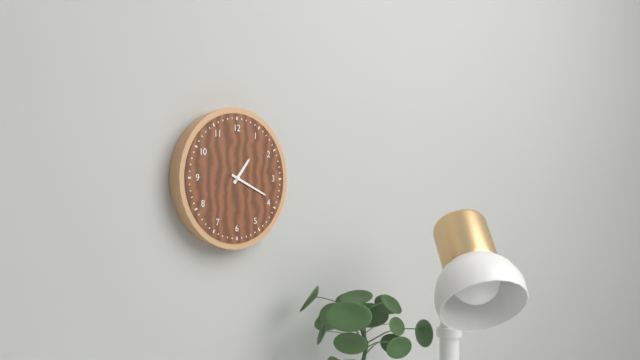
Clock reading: {"hour": 1, "minute": 19}
